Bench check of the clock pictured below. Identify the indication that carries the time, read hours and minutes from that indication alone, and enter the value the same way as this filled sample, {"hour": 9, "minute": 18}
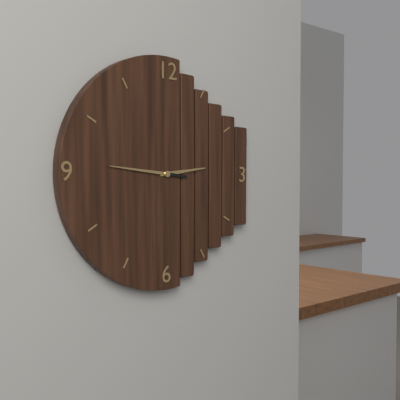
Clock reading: {"hour": 2, "minute": 46}
